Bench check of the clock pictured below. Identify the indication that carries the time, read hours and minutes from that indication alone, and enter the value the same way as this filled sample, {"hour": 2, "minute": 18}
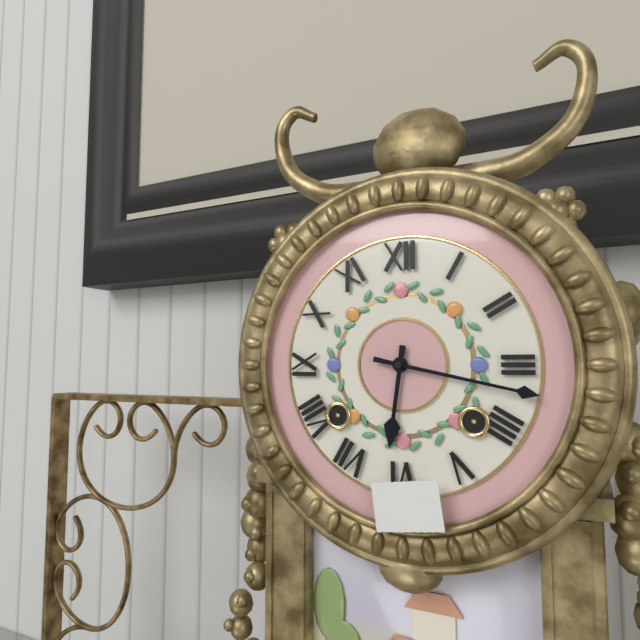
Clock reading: {"hour": 6, "minute": 17}
